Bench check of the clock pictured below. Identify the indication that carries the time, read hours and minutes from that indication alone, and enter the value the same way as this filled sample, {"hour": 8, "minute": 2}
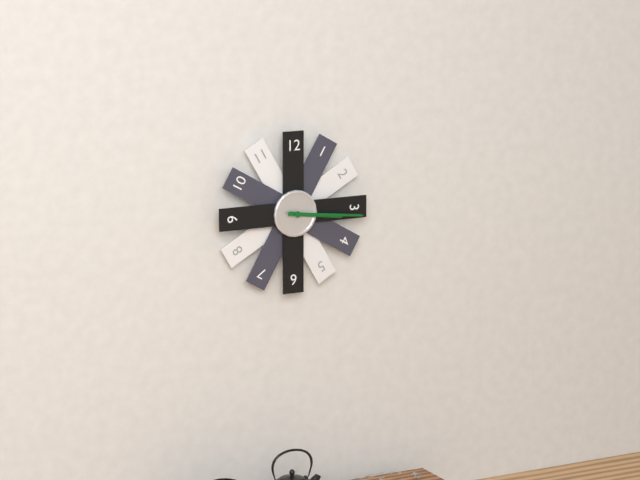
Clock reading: {"hour": 3, "minute": 16}
